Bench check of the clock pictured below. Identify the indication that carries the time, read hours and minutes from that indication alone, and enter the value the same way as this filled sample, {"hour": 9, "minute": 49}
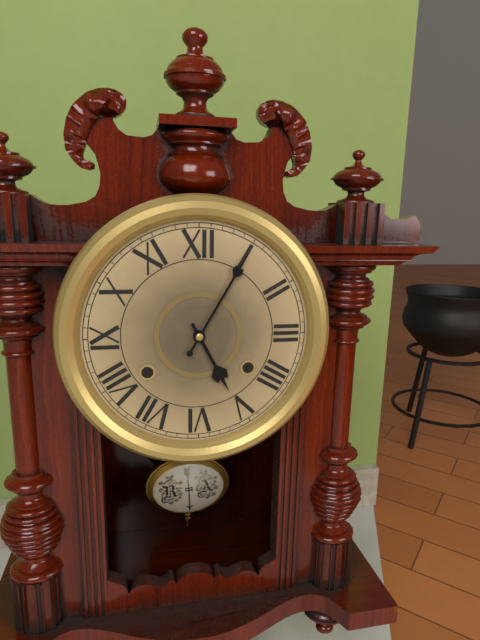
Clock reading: {"hour": 5, "minute": 5}
